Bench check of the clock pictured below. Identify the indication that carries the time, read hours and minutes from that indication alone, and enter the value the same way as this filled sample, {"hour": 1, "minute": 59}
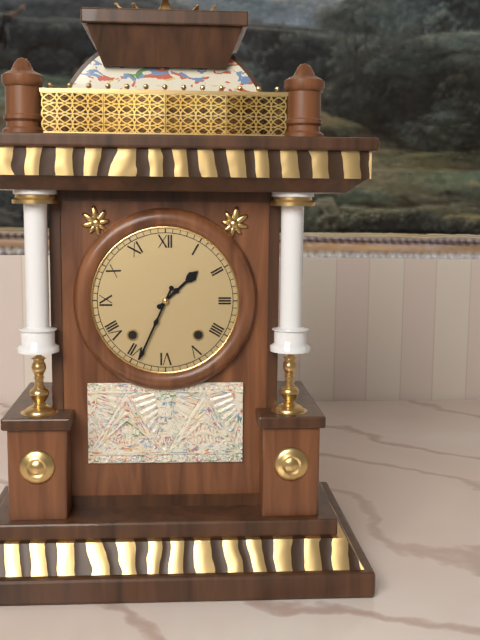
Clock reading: {"hour": 1, "minute": 34}
